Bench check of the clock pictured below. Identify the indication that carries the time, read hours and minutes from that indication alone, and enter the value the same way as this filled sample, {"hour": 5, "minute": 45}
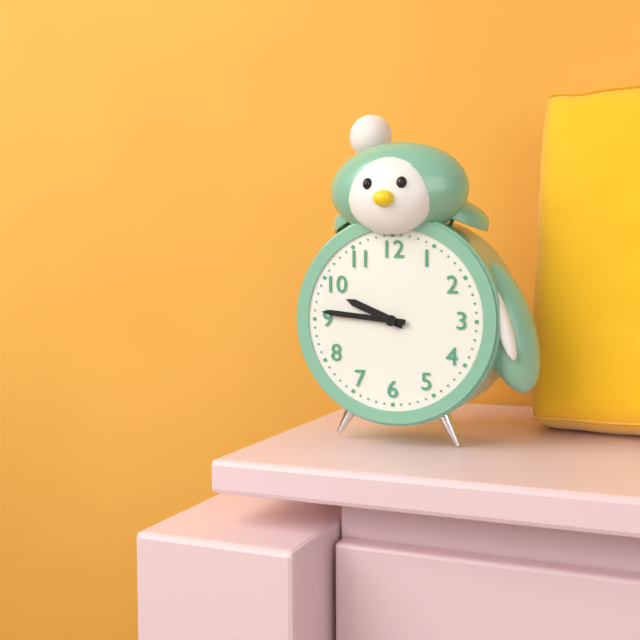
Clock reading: {"hour": 9, "minute": 46}
